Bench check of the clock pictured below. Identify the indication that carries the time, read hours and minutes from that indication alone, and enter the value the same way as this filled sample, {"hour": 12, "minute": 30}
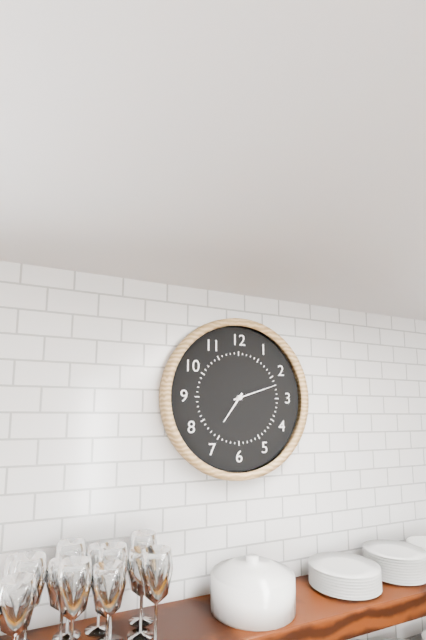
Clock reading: {"hour": 7, "minute": 12}
